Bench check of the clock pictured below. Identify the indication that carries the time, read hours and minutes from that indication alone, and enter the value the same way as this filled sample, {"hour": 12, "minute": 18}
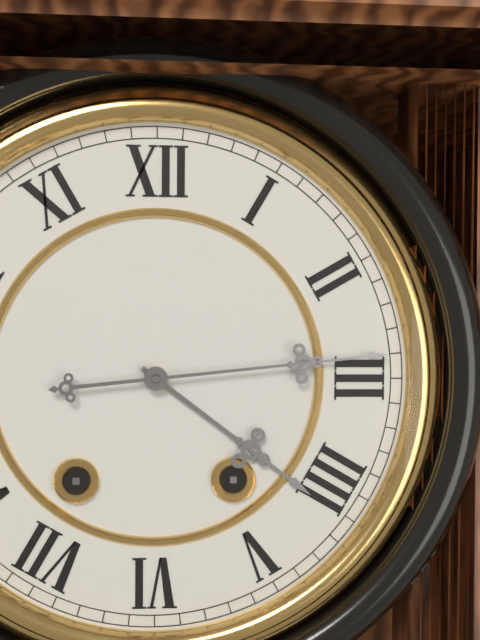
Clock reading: {"hour": 4, "minute": 14}
